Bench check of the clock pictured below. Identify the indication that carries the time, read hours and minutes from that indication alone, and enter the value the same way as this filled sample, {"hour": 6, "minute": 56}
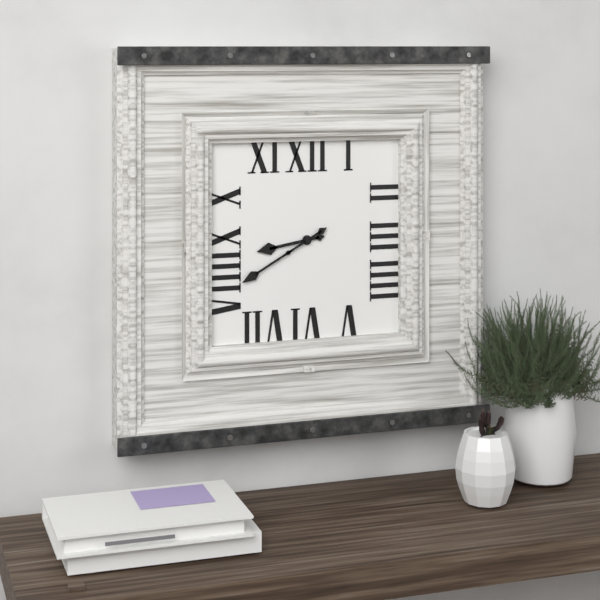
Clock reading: {"hour": 8, "minute": 40}
